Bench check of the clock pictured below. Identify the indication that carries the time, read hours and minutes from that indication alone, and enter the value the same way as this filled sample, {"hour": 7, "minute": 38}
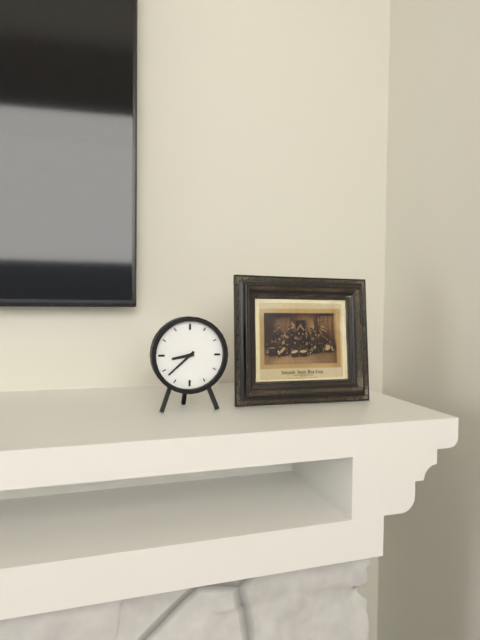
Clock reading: {"hour": 8, "minute": 38}
